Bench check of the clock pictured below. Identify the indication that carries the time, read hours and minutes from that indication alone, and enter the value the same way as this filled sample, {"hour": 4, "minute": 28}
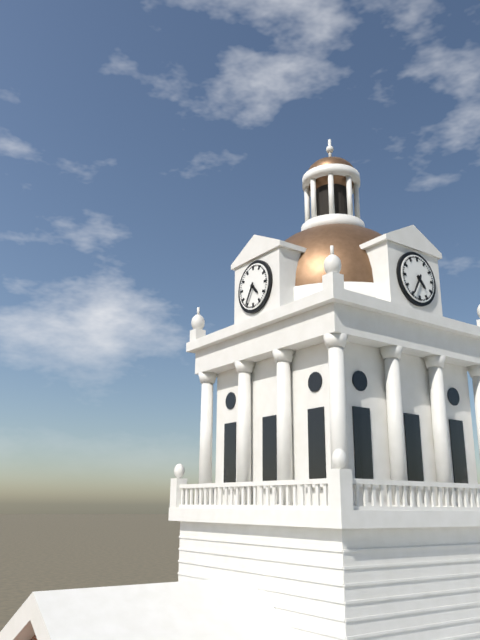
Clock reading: {"hour": 4, "minute": 35}
